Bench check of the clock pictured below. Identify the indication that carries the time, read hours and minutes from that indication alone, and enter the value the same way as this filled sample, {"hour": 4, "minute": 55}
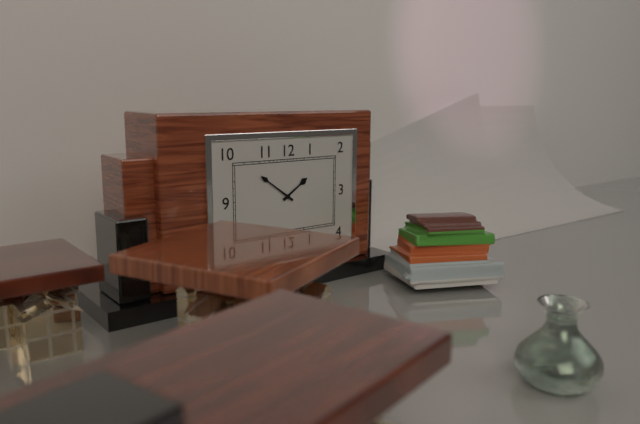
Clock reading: {"hour": 1, "minute": 51}
